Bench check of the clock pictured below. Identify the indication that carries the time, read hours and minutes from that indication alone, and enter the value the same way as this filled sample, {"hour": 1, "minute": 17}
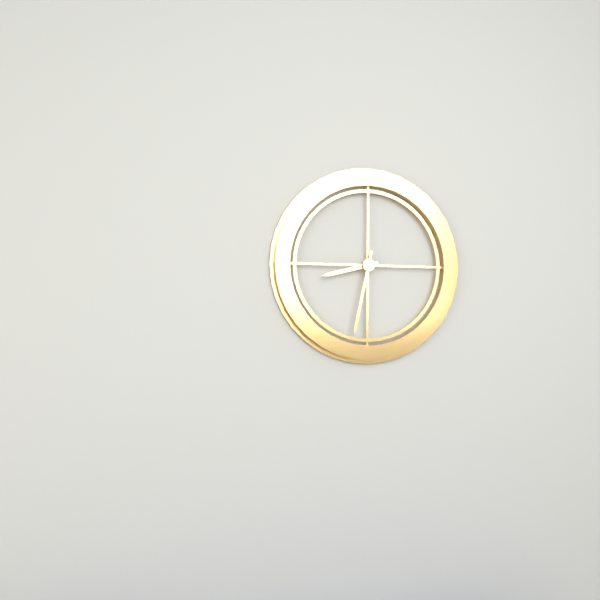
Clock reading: {"hour": 8, "minute": 32}
